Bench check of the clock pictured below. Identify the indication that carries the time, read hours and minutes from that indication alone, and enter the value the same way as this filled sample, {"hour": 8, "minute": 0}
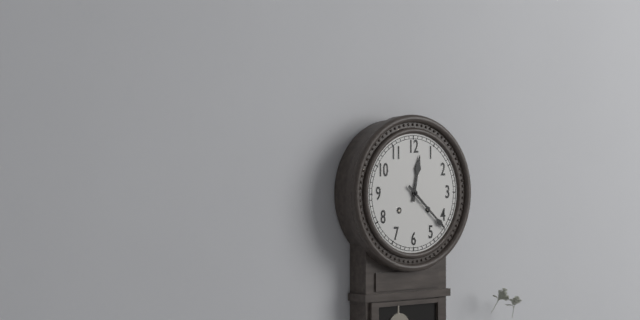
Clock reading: {"hour": 12, "minute": 22}
